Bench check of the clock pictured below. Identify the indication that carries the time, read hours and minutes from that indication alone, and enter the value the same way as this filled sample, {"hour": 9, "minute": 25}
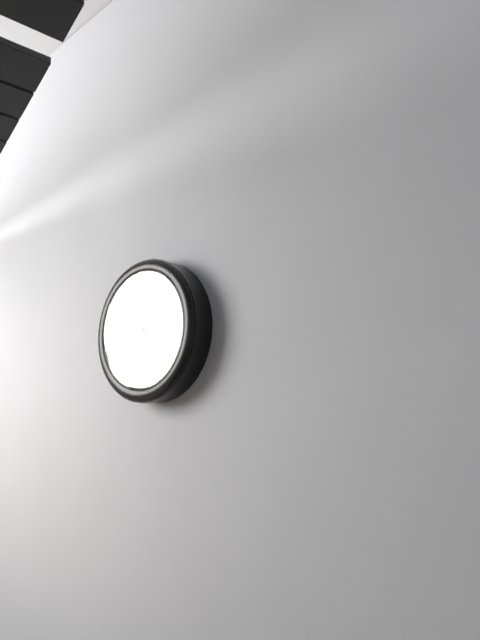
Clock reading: {"hour": 1, "minute": 23}
